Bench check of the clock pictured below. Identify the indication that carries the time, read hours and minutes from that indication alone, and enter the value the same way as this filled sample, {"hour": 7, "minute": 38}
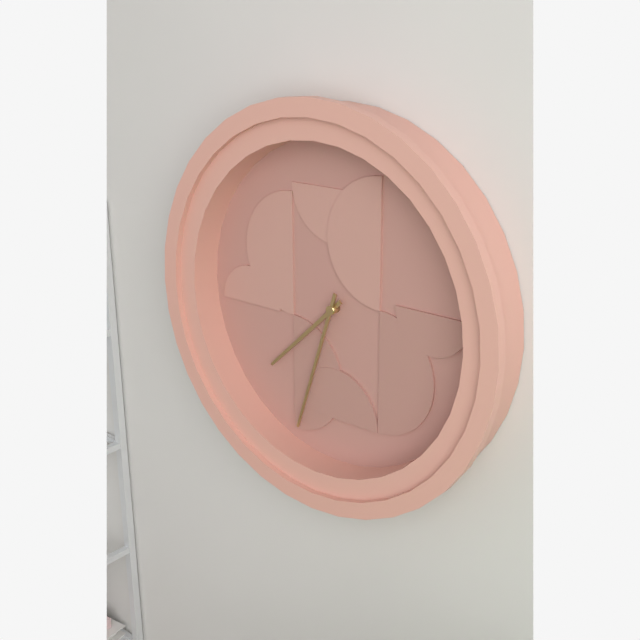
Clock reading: {"hour": 7, "minute": 33}
